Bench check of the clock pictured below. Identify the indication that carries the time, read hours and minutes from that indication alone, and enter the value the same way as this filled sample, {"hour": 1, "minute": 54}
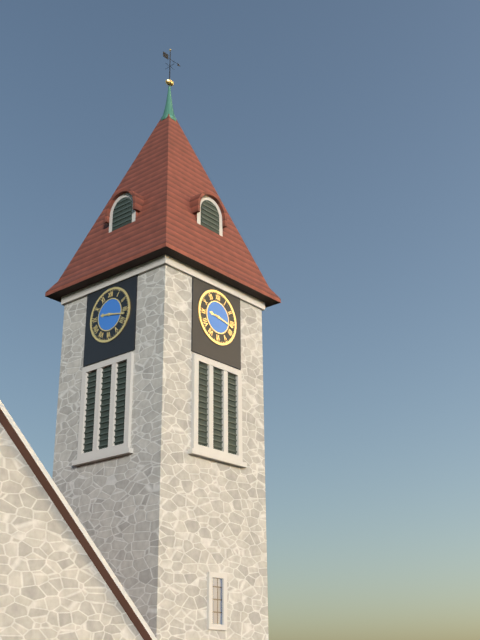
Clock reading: {"hour": 9, "minute": 17}
